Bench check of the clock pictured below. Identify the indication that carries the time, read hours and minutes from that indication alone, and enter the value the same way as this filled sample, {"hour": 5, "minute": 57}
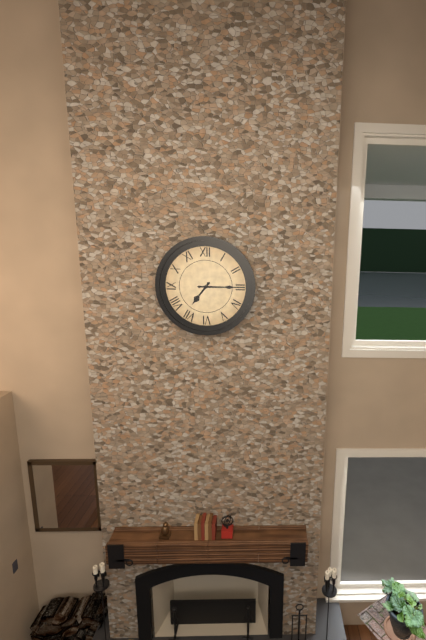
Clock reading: {"hour": 7, "minute": 15}
